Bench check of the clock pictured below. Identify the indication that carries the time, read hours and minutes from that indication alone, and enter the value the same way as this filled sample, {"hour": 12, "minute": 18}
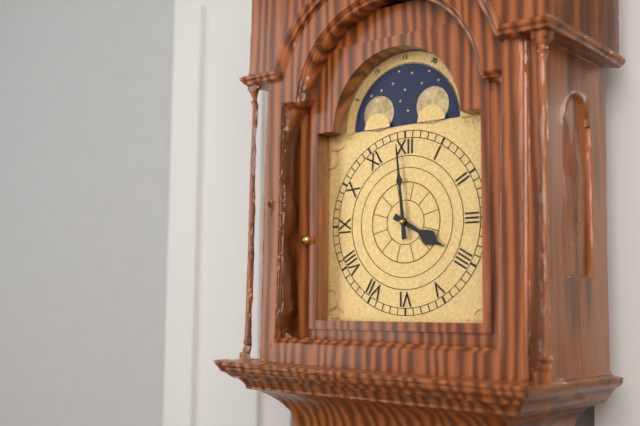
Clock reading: {"hour": 3, "minute": 59}
